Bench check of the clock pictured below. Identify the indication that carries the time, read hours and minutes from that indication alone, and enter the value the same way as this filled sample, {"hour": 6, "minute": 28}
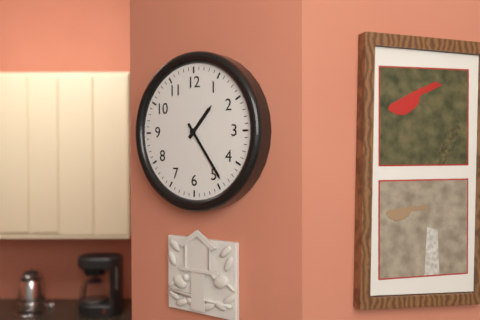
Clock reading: {"hour": 1, "minute": 24}
